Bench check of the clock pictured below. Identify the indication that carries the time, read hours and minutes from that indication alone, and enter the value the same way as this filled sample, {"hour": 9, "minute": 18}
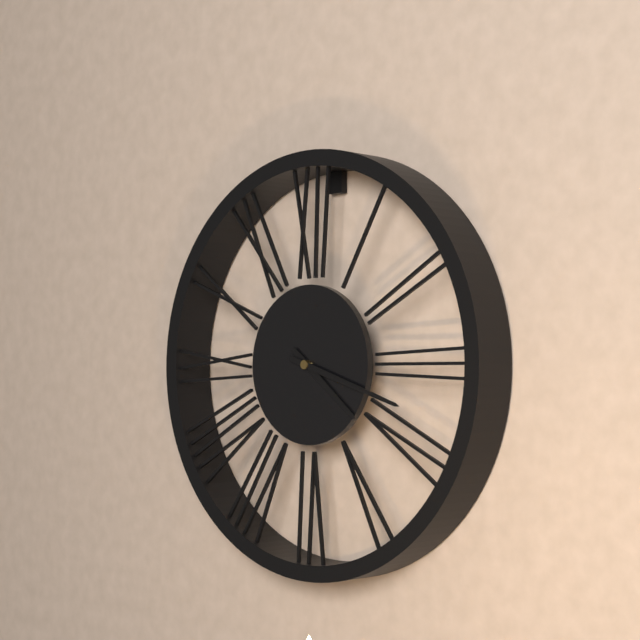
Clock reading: {"hour": 4, "minute": 18}
